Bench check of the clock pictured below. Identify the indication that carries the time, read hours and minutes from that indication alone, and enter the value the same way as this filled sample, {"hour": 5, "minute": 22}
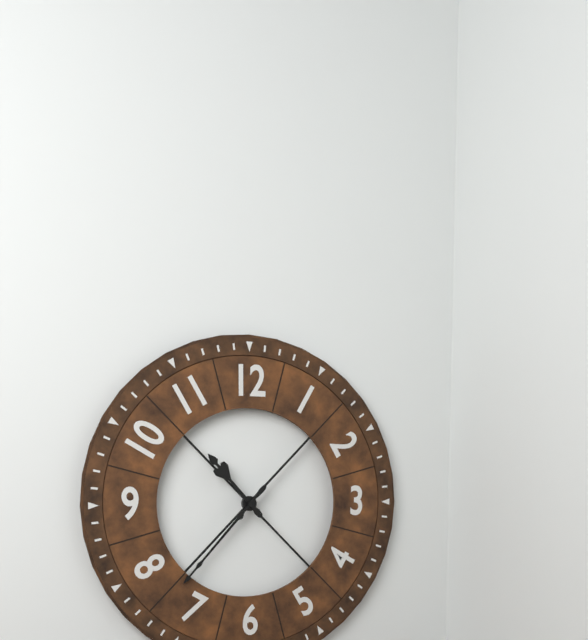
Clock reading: {"hour": 10, "minute": 37}
